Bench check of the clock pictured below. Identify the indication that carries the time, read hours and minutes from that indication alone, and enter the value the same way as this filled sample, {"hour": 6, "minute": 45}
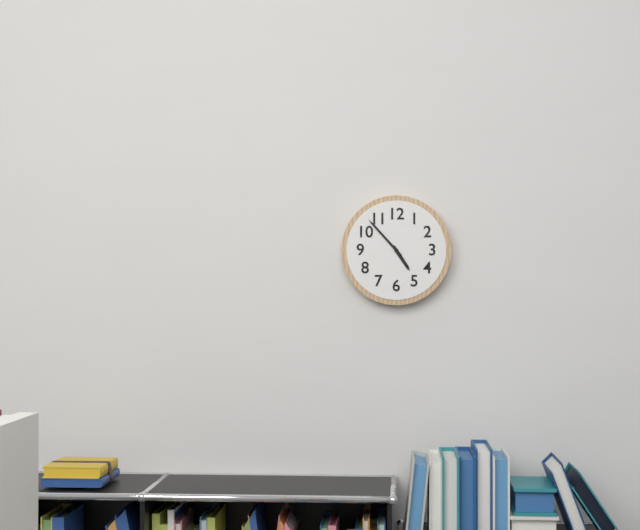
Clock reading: {"hour": 4, "minute": 53}
